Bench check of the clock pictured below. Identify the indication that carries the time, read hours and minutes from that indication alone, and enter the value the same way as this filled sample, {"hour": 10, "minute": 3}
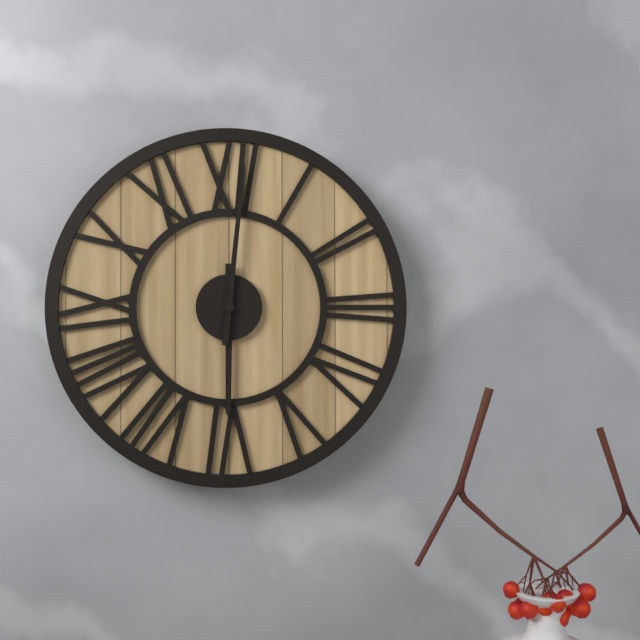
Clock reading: {"hour": 6, "minute": 1}
